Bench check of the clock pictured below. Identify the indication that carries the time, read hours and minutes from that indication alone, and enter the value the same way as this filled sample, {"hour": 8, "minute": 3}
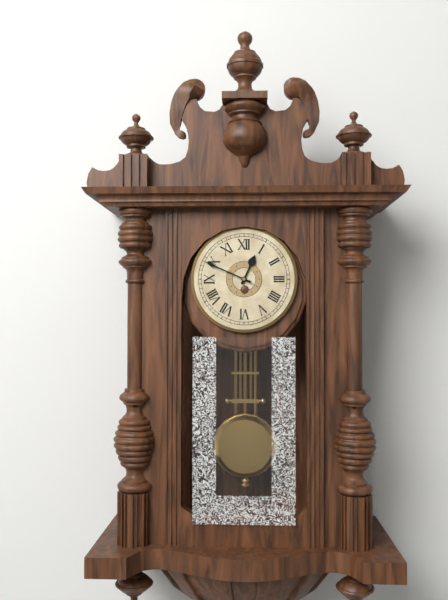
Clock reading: {"hour": 12, "minute": 49}
